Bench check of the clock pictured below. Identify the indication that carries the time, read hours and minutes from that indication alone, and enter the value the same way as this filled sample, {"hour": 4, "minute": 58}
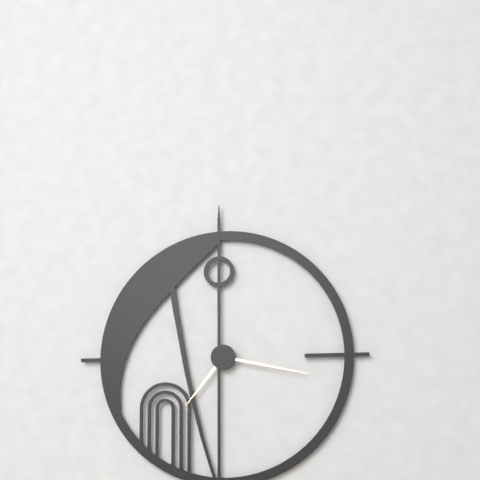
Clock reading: {"hour": 7, "minute": 17}
